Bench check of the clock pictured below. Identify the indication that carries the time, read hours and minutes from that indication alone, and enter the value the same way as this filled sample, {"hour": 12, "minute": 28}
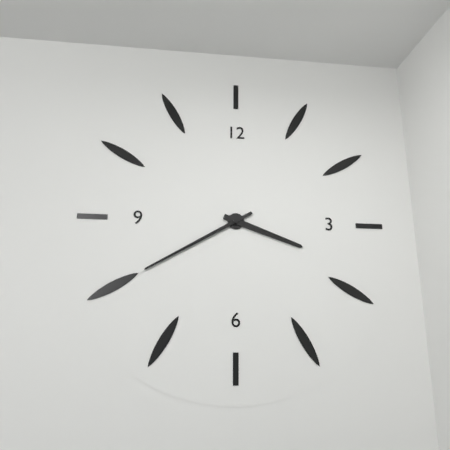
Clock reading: {"hour": 3, "minute": 40}
